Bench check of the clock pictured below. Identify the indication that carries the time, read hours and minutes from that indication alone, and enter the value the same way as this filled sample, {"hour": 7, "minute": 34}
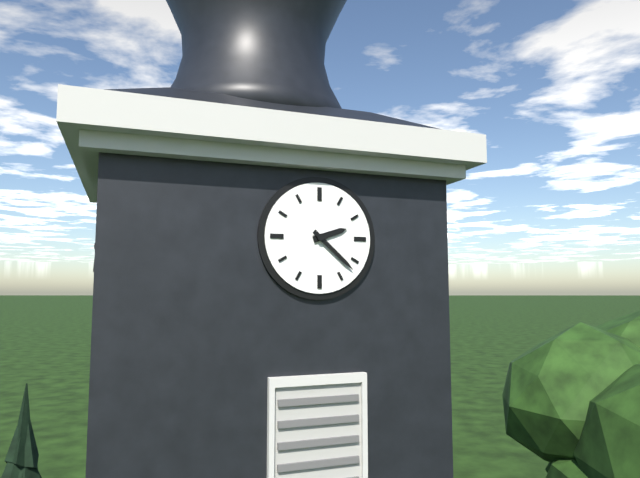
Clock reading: {"hour": 2, "minute": 22}
